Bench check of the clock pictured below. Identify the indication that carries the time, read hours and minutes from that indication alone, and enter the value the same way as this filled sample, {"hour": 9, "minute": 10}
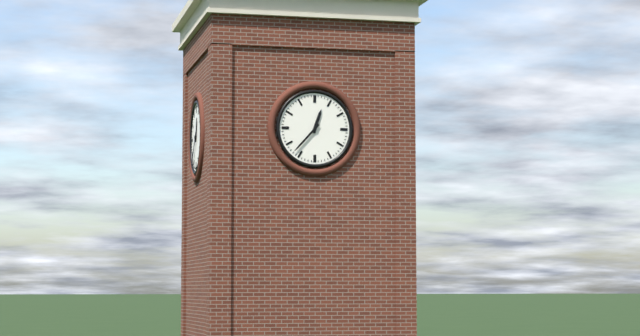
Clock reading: {"hour": 12, "minute": 37}
